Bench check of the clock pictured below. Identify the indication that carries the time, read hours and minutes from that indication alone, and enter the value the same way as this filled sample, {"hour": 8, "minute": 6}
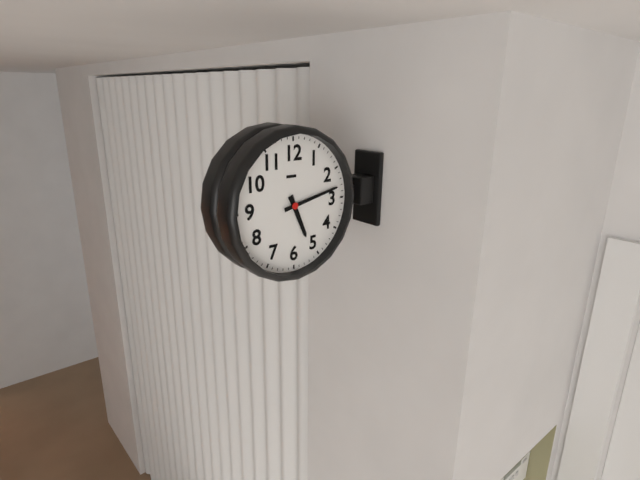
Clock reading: {"hour": 5, "minute": 13}
